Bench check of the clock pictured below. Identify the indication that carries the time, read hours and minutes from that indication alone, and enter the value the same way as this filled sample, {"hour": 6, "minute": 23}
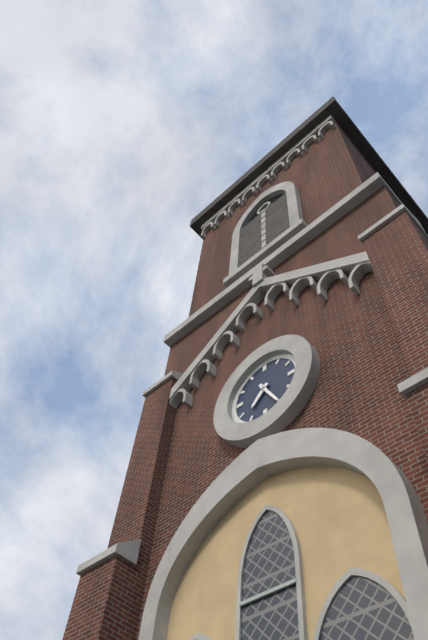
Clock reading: {"hour": 7, "minute": 25}
